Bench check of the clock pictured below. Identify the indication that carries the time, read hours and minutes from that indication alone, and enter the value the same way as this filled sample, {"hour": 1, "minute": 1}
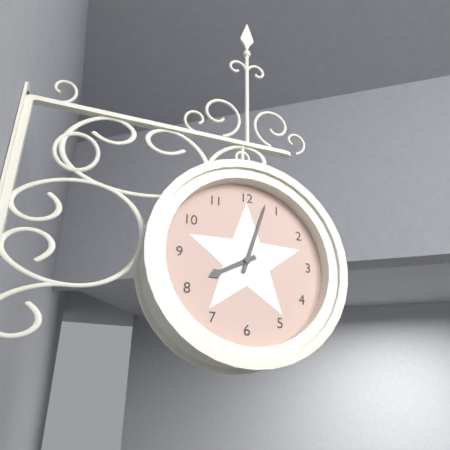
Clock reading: {"hour": 8, "minute": 3}
